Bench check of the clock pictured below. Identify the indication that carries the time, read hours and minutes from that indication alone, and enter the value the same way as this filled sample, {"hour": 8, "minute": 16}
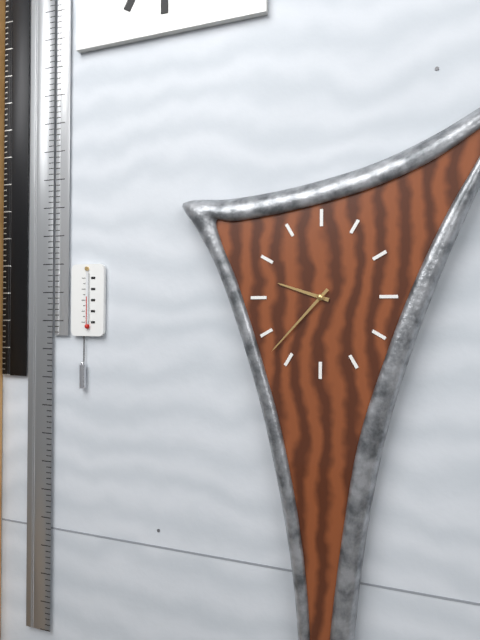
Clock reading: {"hour": 9, "minute": 37}
